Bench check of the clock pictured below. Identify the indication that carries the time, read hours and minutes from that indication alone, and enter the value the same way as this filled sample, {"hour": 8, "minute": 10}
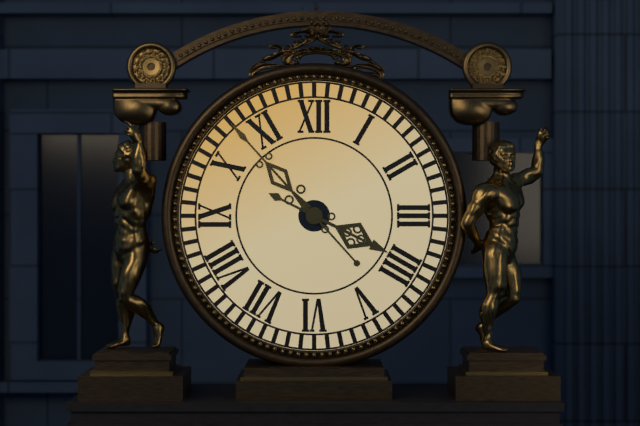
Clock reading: {"hour": 3, "minute": 53}
